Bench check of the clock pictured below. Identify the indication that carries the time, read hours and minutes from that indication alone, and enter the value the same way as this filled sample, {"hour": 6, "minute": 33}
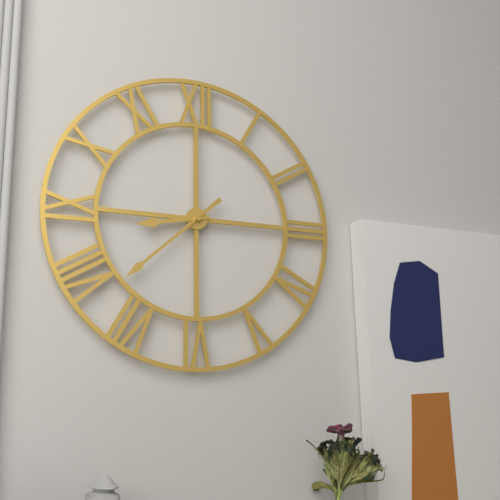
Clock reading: {"hour": 8, "minute": 38}
